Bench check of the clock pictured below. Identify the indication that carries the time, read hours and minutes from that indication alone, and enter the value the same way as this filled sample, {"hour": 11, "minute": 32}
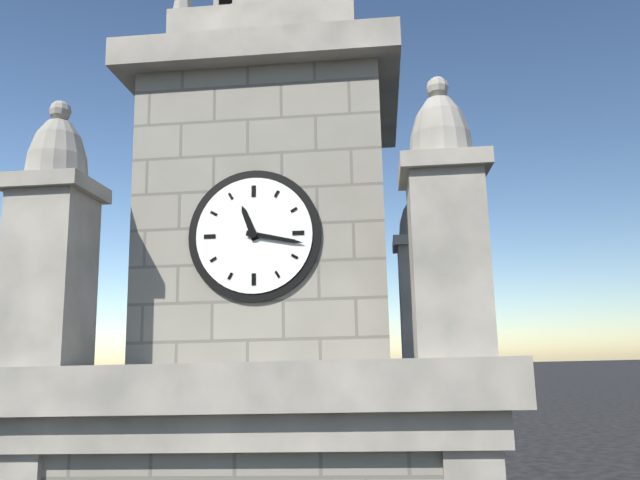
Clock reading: {"hour": 11, "minute": 17}
